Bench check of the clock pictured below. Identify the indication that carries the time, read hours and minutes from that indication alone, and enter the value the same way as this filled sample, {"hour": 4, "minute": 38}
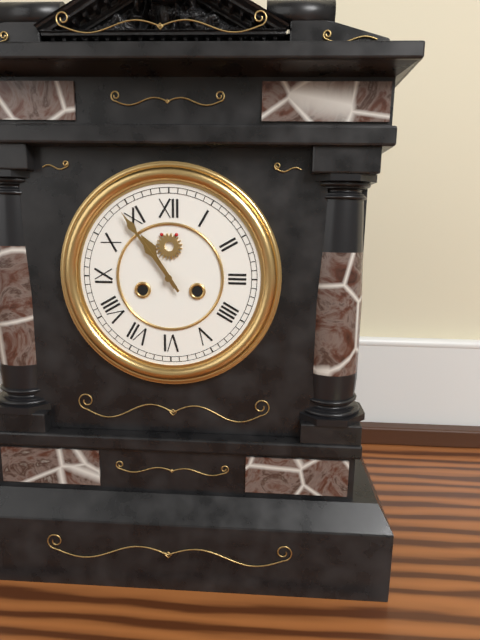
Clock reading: {"hour": 10, "minute": 54}
